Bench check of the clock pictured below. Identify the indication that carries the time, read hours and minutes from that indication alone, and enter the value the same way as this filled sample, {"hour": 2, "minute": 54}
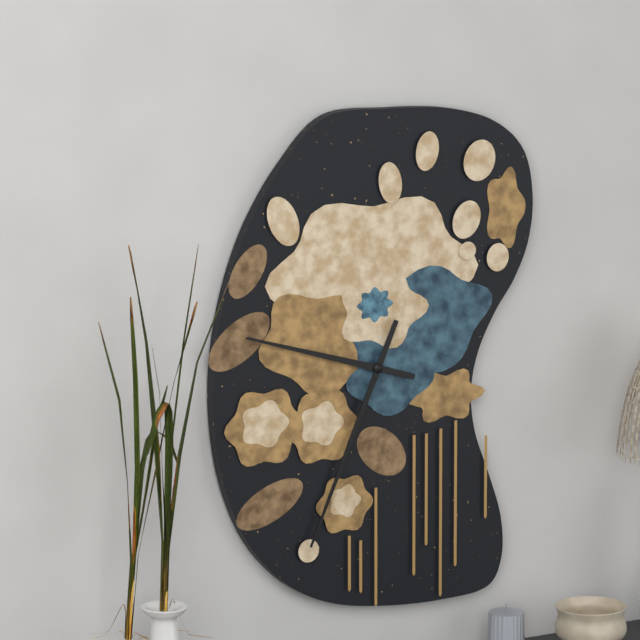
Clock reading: {"hour": 9, "minute": 34}
